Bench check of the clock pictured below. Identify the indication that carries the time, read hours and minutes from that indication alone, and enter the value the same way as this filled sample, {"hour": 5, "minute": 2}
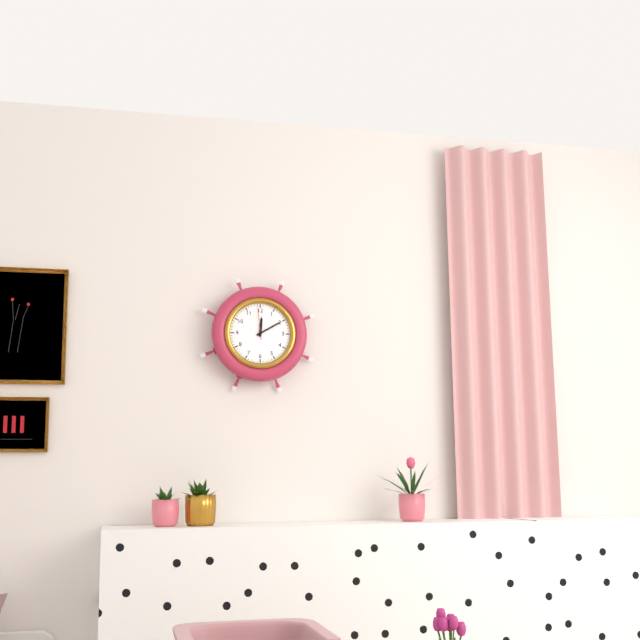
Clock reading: {"hour": 12, "minute": 10}
